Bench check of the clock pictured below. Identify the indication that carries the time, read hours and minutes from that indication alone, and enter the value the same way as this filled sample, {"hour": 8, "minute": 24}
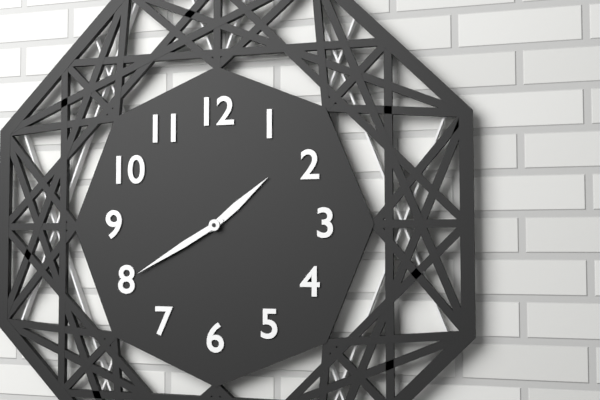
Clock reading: {"hour": 1, "minute": 40}
